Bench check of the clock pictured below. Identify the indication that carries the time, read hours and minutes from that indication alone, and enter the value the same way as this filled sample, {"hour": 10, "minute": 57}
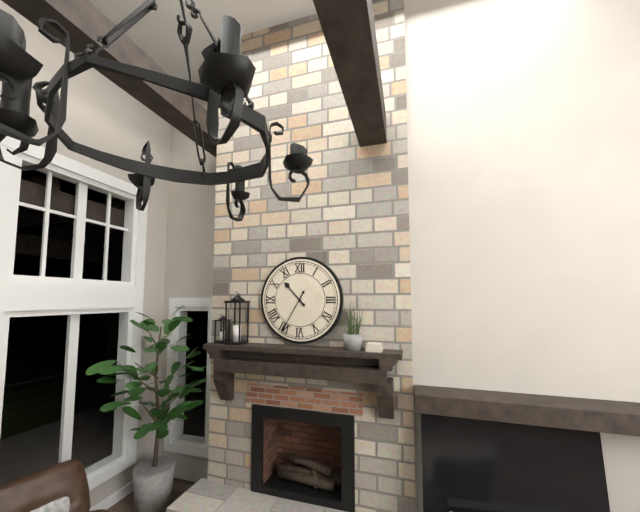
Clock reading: {"hour": 10, "minute": 35}
